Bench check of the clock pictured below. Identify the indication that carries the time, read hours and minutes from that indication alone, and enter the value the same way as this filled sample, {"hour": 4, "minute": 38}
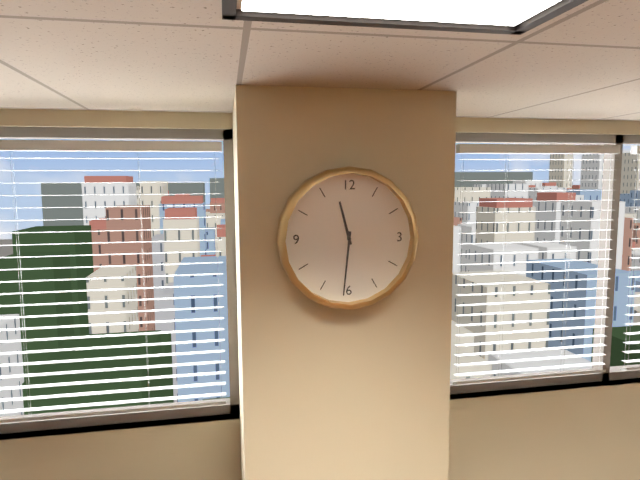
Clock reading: {"hour": 11, "minute": 31}
